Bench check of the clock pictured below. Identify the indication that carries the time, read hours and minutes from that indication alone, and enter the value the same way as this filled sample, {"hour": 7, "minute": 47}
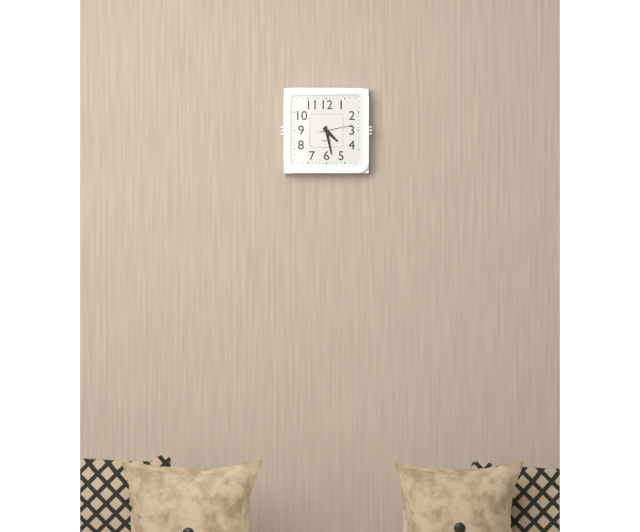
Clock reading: {"hour": 4, "minute": 28}
